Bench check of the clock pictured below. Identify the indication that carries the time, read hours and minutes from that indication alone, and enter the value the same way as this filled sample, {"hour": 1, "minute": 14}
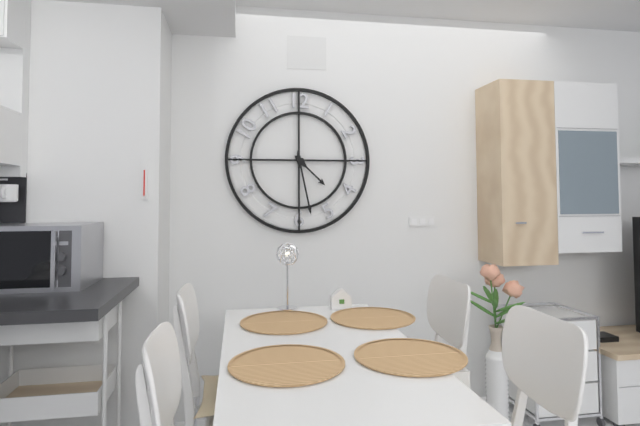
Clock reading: {"hour": 4, "minute": 28}
